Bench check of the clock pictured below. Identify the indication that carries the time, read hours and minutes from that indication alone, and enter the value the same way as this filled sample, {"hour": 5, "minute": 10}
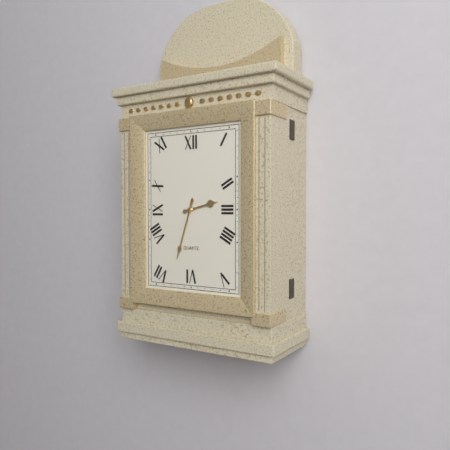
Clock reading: {"hour": 2, "minute": 33}
